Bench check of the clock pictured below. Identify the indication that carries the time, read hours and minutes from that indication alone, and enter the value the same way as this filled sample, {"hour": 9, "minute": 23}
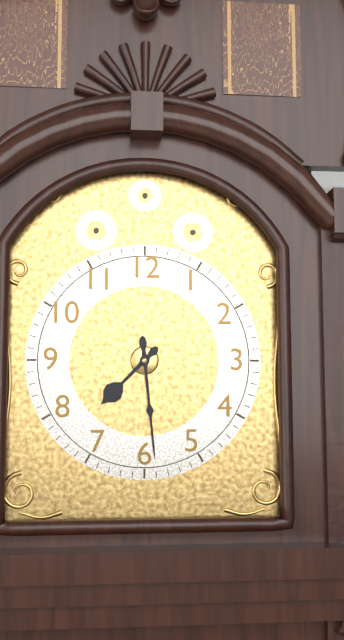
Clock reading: {"hour": 7, "minute": 29}
